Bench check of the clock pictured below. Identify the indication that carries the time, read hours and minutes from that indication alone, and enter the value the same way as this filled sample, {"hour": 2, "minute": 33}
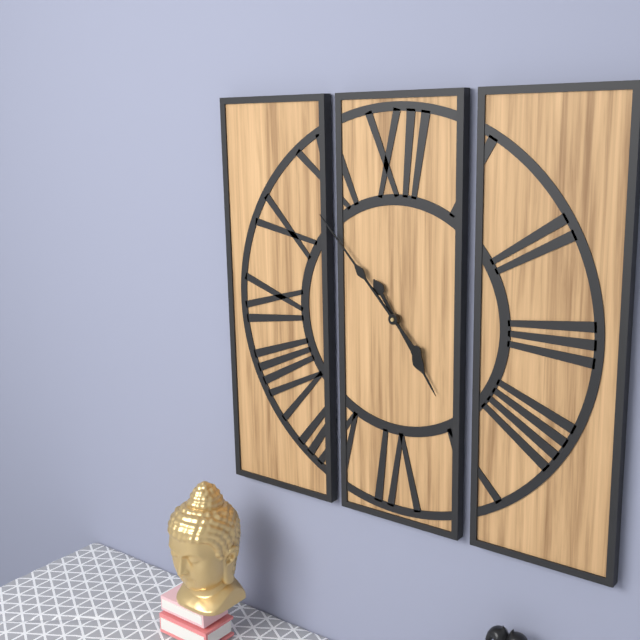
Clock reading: {"hour": 4, "minute": 53}
